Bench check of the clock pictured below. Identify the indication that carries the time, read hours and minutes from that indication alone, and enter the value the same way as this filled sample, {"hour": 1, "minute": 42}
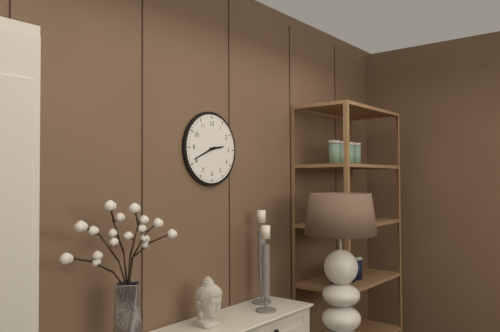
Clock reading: {"hour": 2, "minute": 41}
